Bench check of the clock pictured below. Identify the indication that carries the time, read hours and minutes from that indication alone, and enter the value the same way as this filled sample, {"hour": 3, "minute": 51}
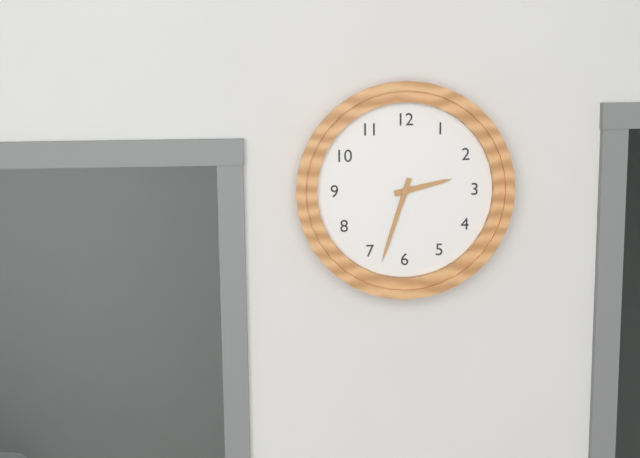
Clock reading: {"hour": 2, "minute": 33}
